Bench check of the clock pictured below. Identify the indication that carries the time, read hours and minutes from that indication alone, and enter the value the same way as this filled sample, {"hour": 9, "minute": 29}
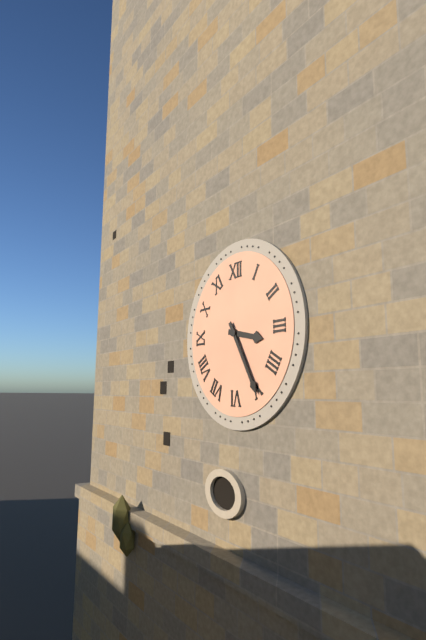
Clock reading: {"hour": 3, "minute": 25}
